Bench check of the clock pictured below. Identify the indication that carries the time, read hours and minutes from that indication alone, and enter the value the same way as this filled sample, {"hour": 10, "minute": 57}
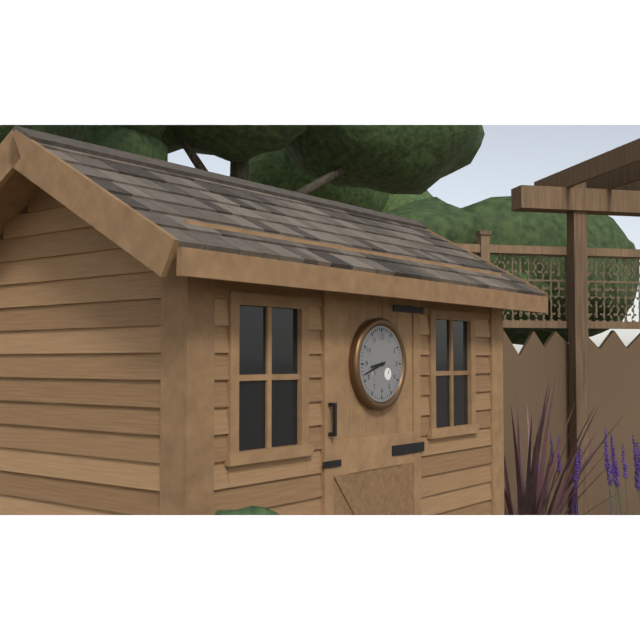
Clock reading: {"hour": 8, "minute": 42}
